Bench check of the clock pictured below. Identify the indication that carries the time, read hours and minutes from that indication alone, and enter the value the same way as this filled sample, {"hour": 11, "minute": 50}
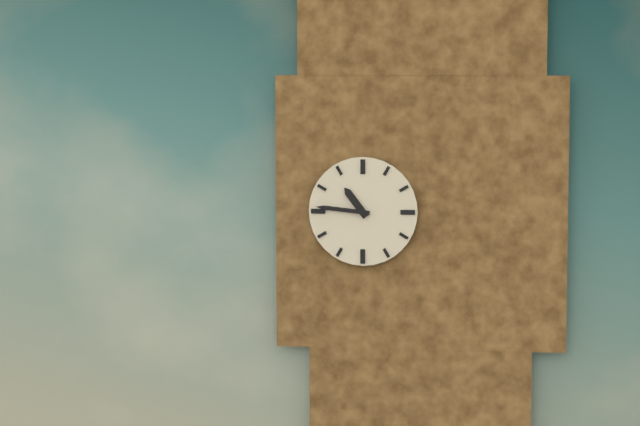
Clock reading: {"hour": 10, "minute": 46}
